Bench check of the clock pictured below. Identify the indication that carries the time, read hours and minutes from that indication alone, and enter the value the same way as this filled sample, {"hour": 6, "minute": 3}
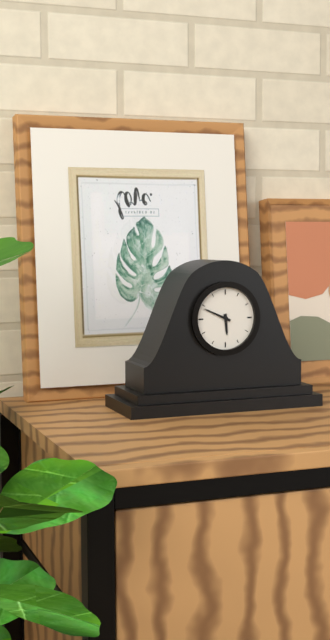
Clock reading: {"hour": 5, "minute": 49}
